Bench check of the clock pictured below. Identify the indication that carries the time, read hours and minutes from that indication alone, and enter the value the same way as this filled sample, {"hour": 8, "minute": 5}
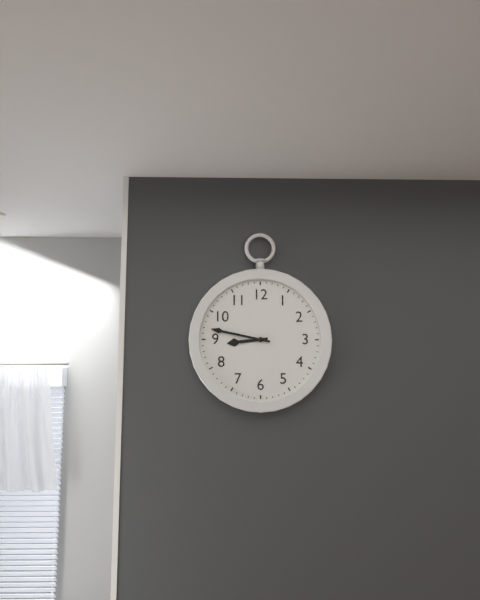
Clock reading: {"hour": 8, "minute": 47}
